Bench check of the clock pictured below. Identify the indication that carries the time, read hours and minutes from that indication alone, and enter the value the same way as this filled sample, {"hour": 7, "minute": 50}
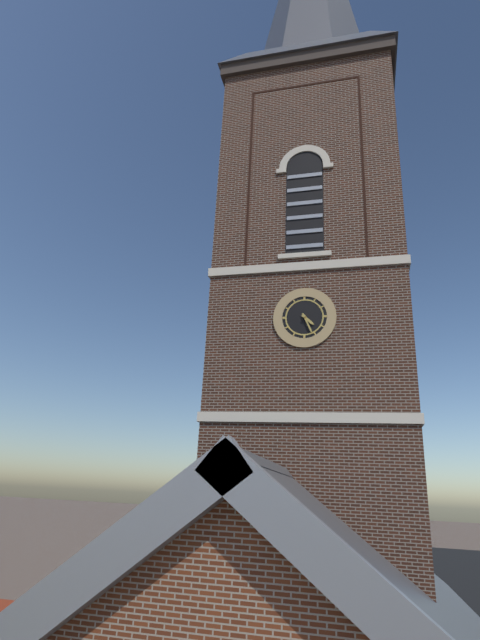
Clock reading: {"hour": 4, "minute": 26}
